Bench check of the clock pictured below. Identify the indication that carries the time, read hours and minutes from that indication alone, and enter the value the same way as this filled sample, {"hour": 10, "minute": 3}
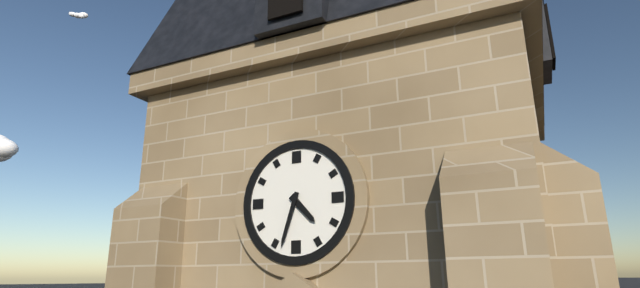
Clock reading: {"hour": 4, "minute": 33}
